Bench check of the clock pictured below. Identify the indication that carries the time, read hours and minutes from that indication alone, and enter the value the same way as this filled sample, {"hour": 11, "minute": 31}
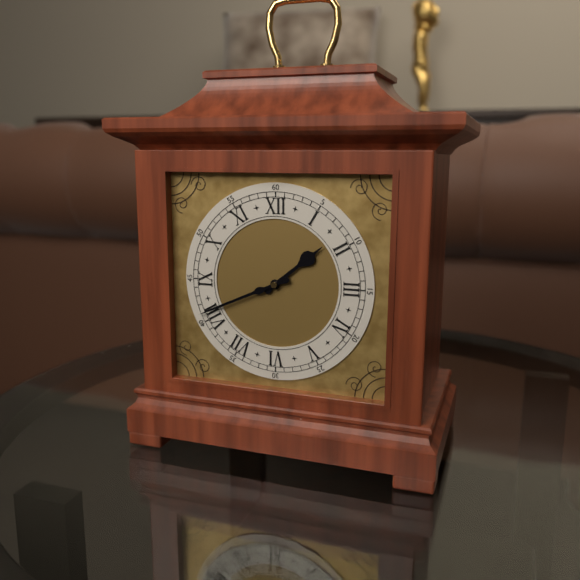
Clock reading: {"hour": 1, "minute": 41}
